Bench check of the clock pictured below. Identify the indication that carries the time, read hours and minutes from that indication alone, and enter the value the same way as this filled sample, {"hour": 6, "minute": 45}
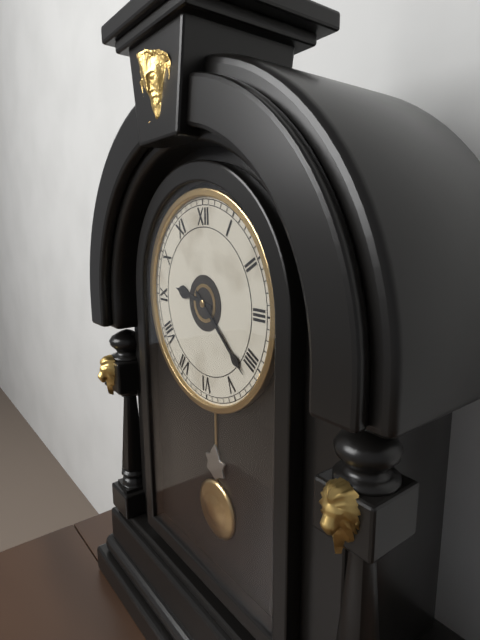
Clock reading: {"hour": 9, "minute": 22}
